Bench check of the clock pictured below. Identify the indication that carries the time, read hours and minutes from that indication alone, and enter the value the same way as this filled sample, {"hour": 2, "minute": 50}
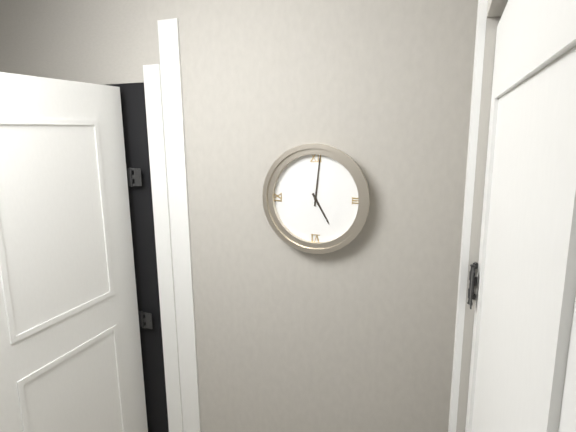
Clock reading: {"hour": 5, "minute": 1}
